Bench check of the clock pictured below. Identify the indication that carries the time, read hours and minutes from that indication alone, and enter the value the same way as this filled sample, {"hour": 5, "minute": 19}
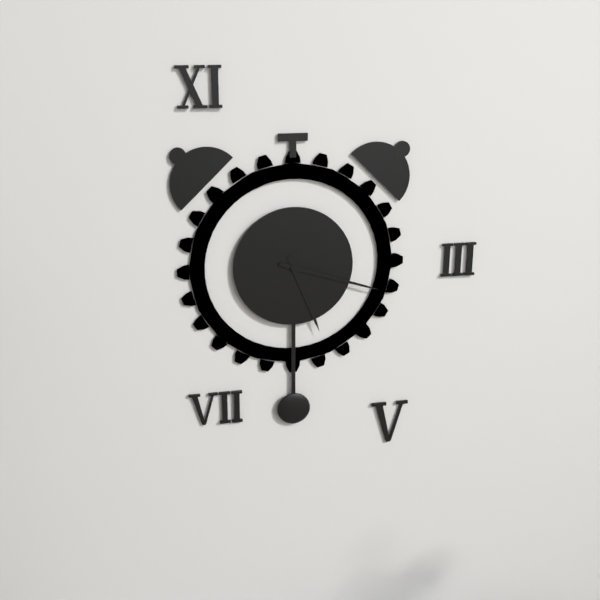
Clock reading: {"hour": 5, "minute": 18}
